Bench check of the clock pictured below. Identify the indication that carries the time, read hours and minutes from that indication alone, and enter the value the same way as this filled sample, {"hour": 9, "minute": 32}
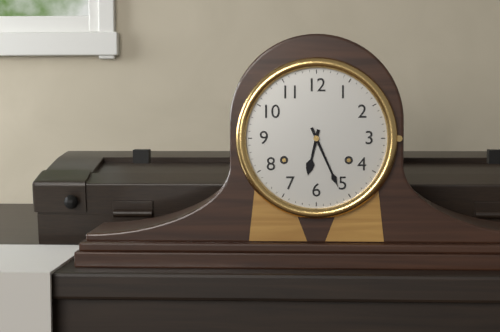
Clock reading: {"hour": 6, "minute": 26}
